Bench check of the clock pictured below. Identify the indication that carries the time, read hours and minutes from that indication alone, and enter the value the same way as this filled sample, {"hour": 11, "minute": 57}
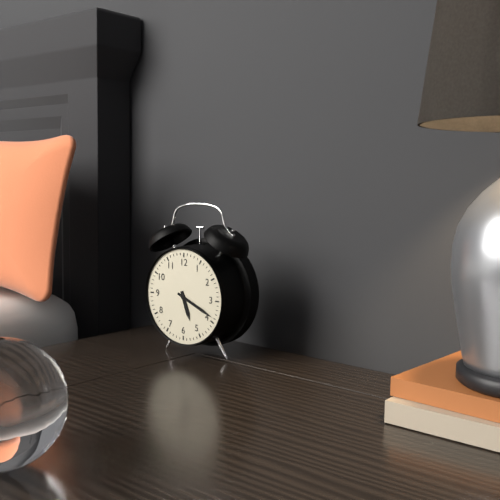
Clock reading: {"hour": 5, "minute": 19}
